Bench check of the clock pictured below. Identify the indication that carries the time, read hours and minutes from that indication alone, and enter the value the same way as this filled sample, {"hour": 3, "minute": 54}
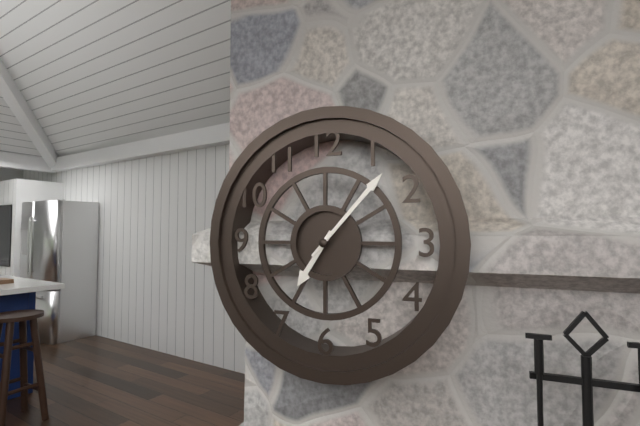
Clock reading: {"hour": 7, "minute": 7}
